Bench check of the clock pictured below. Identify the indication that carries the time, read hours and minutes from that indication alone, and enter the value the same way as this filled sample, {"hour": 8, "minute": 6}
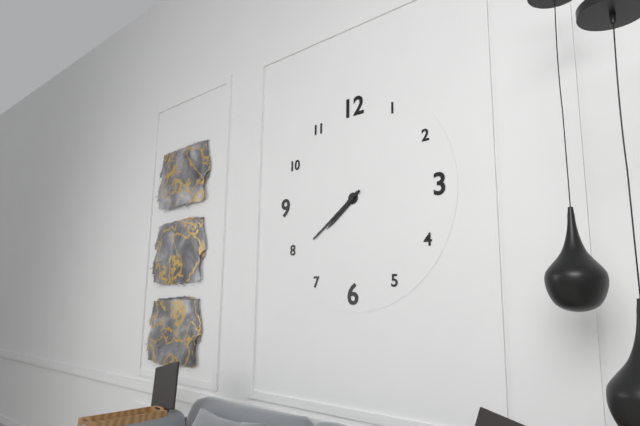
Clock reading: {"hour": 7, "minute": 39}
